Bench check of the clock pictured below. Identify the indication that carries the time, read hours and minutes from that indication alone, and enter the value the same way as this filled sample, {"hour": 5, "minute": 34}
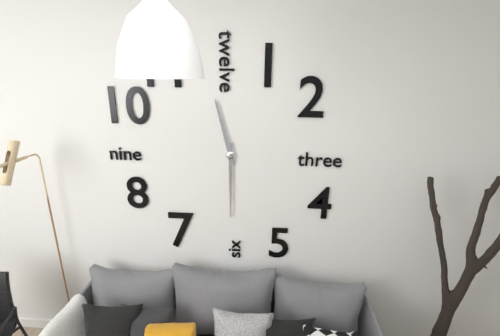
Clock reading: {"hour": 11, "minute": 30}
